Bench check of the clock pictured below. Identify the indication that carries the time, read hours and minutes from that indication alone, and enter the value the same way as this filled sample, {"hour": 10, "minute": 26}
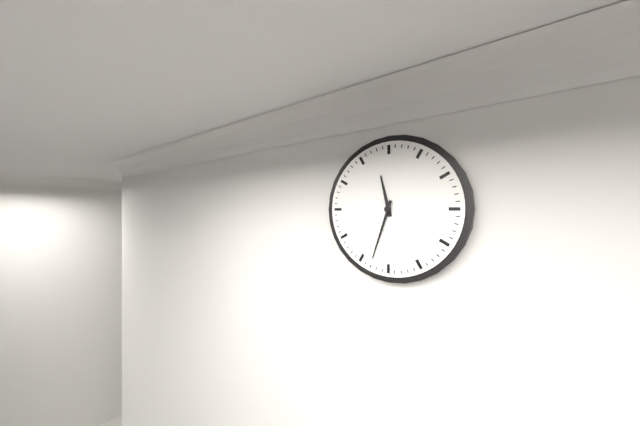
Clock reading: {"hour": 11, "minute": 33}
